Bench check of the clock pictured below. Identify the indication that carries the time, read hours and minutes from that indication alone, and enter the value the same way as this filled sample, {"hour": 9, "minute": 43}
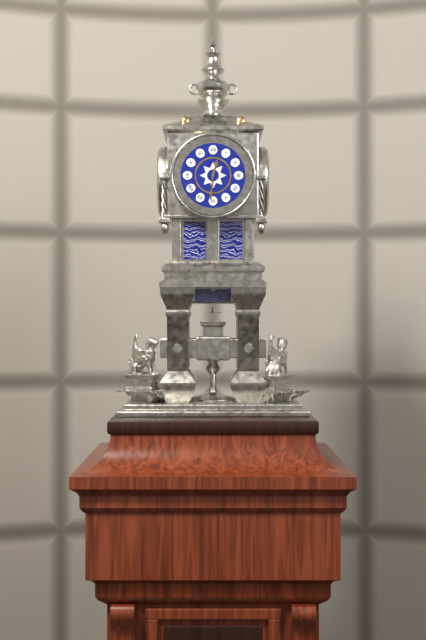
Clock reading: {"hour": 12, "minute": 31}
